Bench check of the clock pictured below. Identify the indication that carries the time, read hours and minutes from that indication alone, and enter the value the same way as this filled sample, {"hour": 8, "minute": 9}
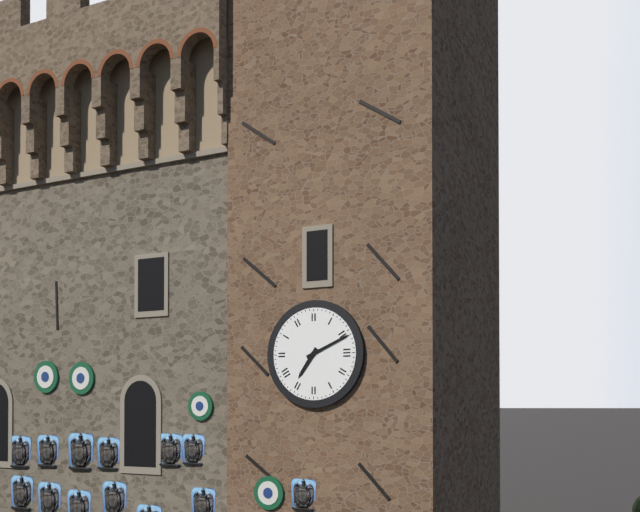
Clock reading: {"hour": 7, "minute": 11}
